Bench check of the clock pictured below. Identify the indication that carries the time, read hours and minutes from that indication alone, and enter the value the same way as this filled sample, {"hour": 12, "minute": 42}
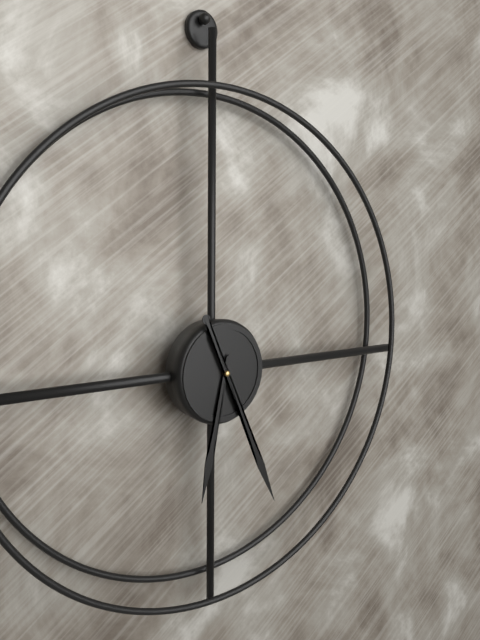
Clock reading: {"hour": 6, "minute": 26}
